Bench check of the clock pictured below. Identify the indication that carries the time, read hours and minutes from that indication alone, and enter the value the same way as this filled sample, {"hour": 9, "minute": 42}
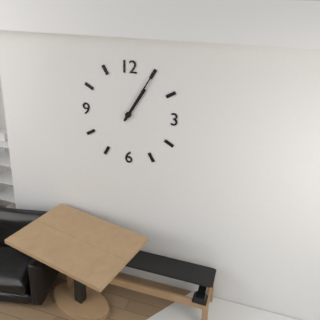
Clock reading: {"hour": 1, "minute": 5}
